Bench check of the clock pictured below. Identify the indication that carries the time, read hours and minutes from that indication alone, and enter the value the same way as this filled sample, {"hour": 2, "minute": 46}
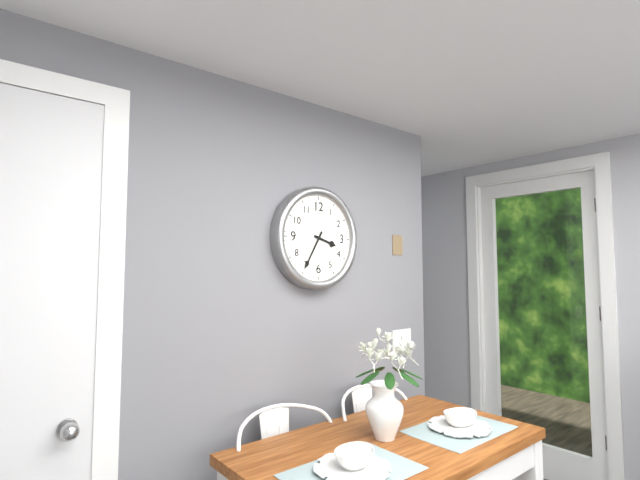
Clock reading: {"hour": 3, "minute": 35}
